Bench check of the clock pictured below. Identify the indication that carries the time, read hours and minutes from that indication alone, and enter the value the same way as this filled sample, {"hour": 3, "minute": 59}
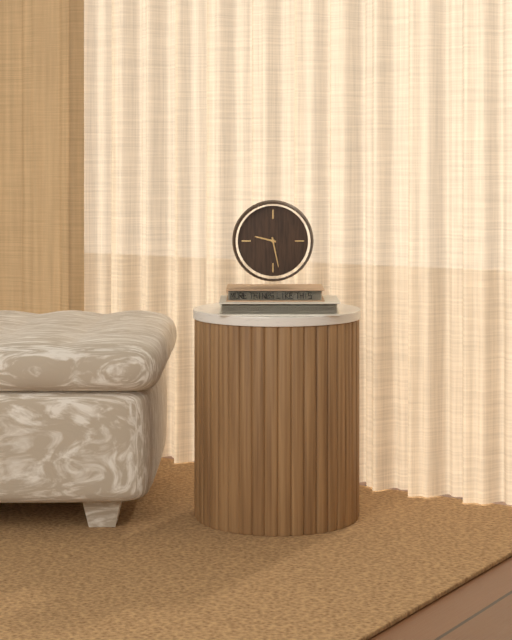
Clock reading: {"hour": 9, "minute": 28}
